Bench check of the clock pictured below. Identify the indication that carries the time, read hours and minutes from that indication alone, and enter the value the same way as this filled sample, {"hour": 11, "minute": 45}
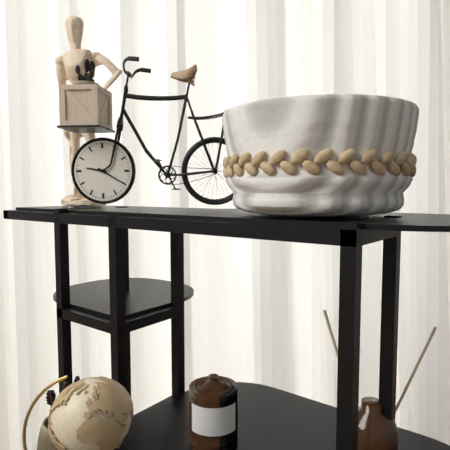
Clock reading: {"hour": 9, "minute": 20}
